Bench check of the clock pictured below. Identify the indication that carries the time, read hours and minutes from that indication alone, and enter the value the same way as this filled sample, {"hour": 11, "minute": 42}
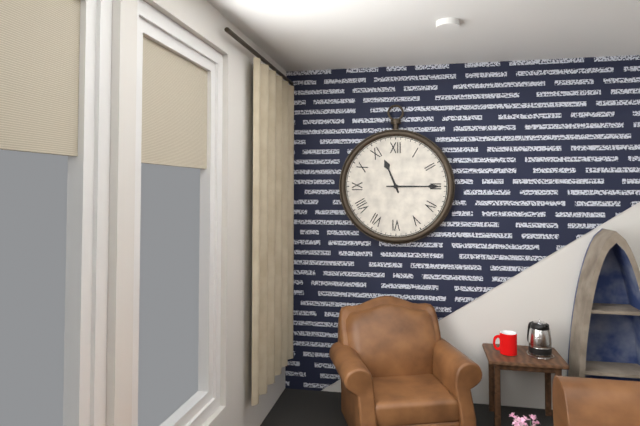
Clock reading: {"hour": 11, "minute": 15}
